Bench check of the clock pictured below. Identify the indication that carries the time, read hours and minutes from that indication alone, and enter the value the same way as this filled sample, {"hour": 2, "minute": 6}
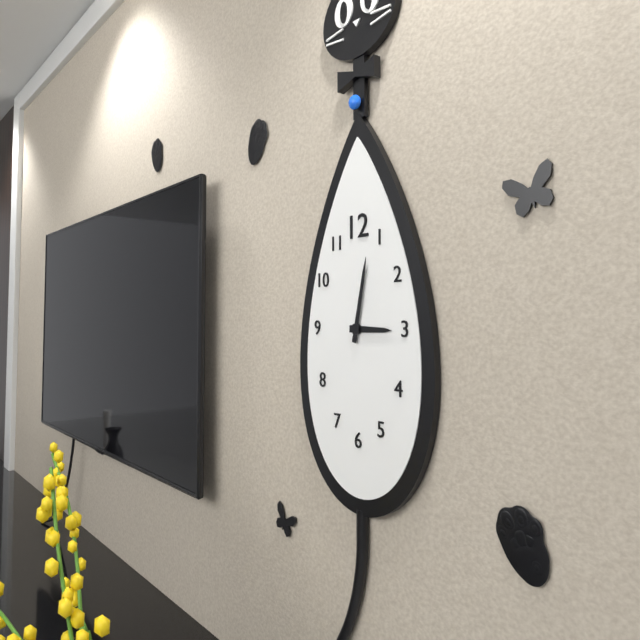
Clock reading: {"hour": 3, "minute": 2}
